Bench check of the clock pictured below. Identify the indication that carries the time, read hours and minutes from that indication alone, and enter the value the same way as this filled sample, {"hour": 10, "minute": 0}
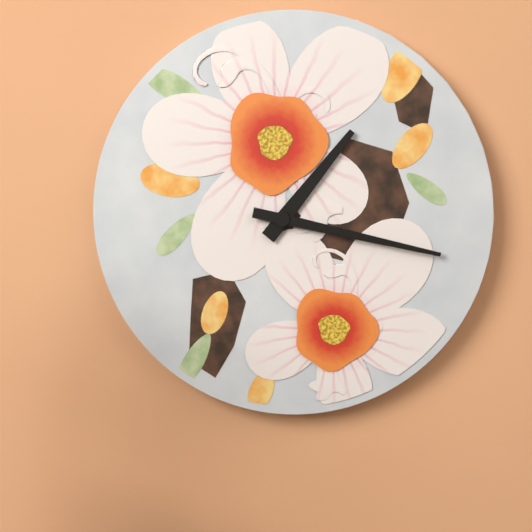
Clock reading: {"hour": 1, "minute": 17}
